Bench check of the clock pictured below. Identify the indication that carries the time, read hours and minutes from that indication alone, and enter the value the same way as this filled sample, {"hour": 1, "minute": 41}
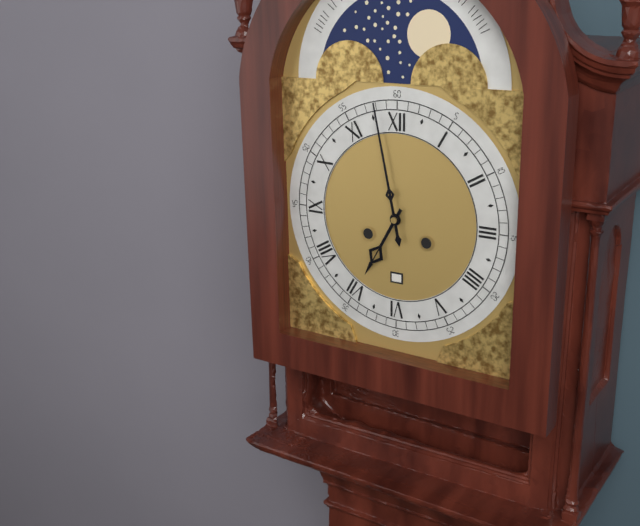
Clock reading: {"hour": 6, "minute": 58}
